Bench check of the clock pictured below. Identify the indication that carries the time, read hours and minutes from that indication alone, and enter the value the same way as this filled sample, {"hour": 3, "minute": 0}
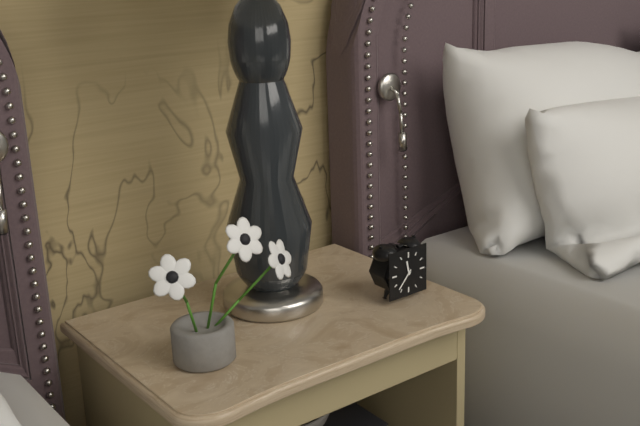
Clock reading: {"hour": 11, "minute": 37}
